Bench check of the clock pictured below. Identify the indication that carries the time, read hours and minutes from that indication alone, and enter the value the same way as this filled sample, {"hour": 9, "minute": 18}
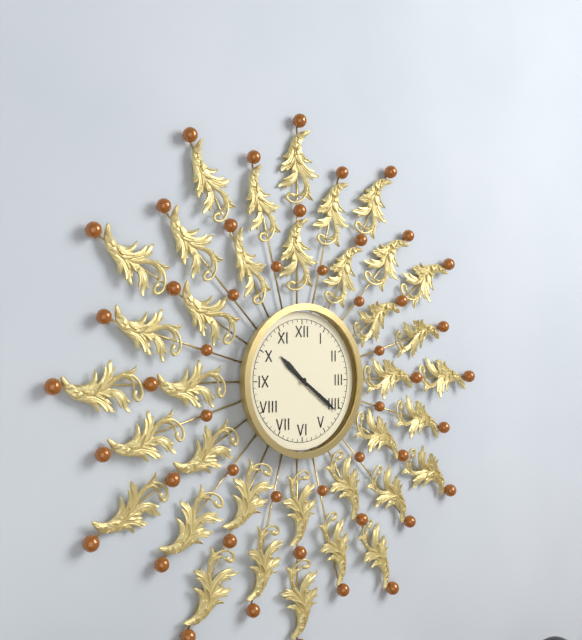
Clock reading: {"hour": 10, "minute": 21}
